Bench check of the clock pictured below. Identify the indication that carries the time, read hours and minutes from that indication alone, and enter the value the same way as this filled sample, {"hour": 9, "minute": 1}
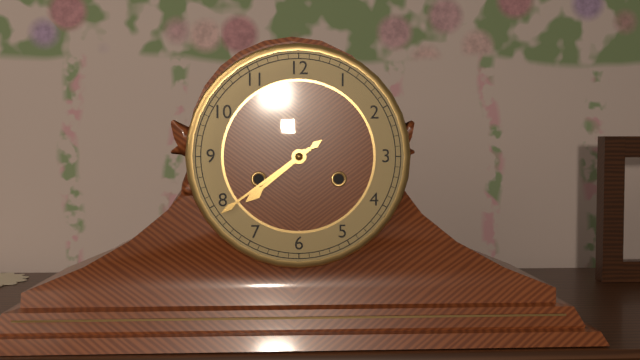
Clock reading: {"hour": 7, "minute": 39}
